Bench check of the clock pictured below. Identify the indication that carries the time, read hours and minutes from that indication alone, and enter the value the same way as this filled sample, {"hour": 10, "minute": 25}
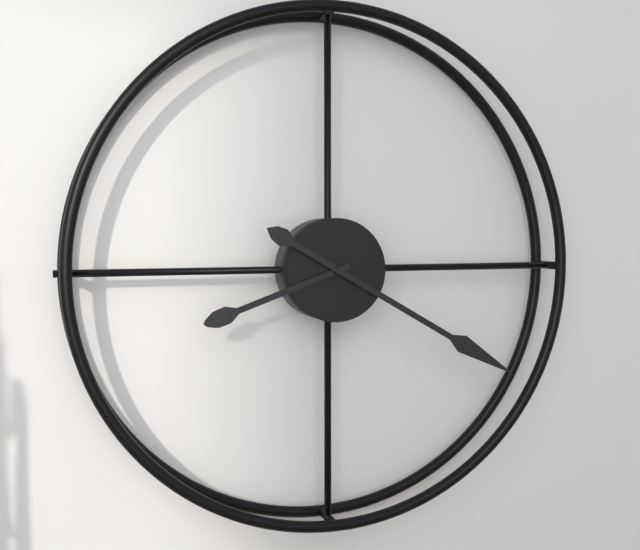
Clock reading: {"hour": 8, "minute": 20}
